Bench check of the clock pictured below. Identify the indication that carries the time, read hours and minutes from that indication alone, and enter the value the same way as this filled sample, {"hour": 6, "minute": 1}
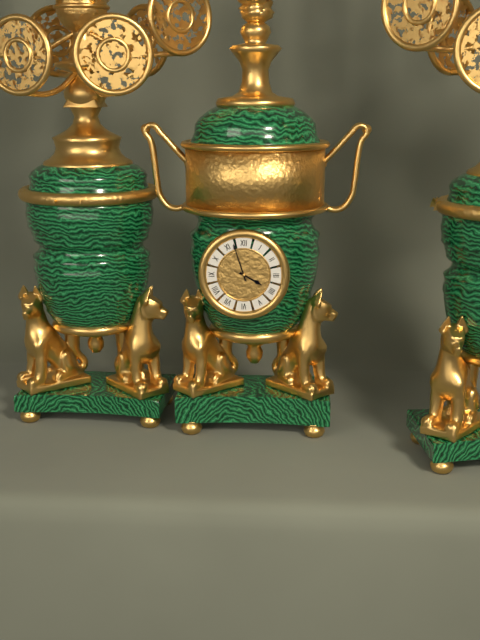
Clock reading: {"hour": 3, "minute": 57}
